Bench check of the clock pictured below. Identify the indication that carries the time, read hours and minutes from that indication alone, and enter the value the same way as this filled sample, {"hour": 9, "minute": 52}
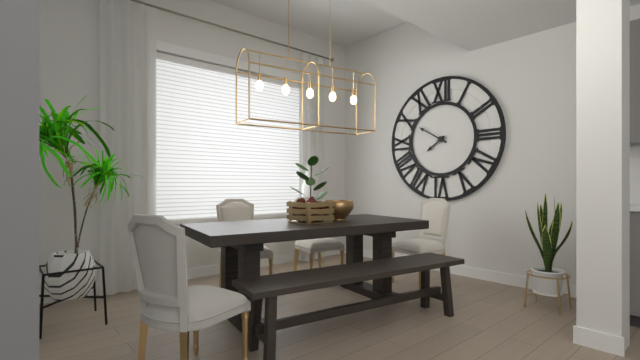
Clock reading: {"hour": 7, "minute": 50}
